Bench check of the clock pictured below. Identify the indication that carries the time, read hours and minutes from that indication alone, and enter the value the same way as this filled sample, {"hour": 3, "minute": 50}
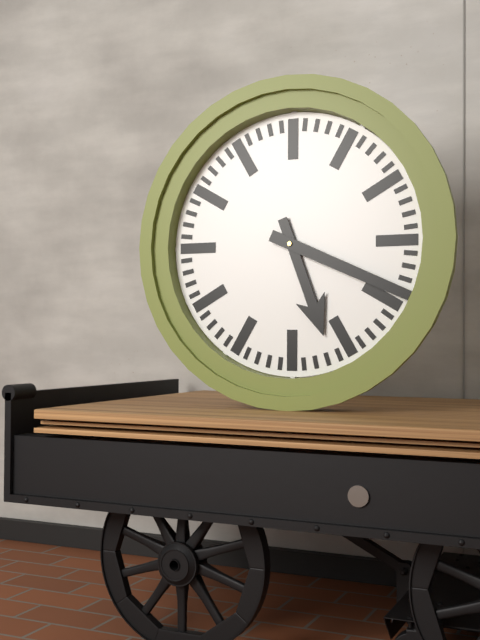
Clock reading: {"hour": 5, "minute": 19}
